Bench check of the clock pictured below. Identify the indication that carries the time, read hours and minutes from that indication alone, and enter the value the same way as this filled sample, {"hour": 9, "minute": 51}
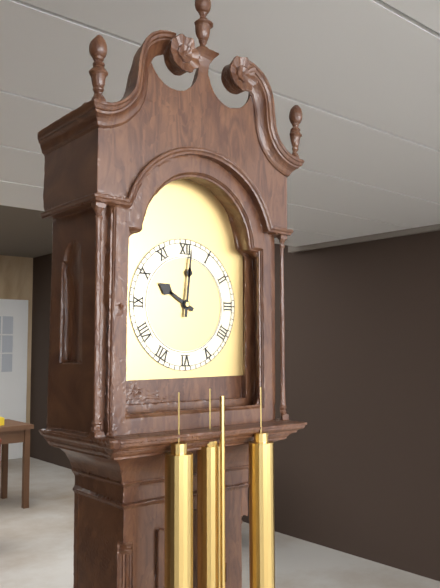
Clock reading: {"hour": 10, "minute": 1}
